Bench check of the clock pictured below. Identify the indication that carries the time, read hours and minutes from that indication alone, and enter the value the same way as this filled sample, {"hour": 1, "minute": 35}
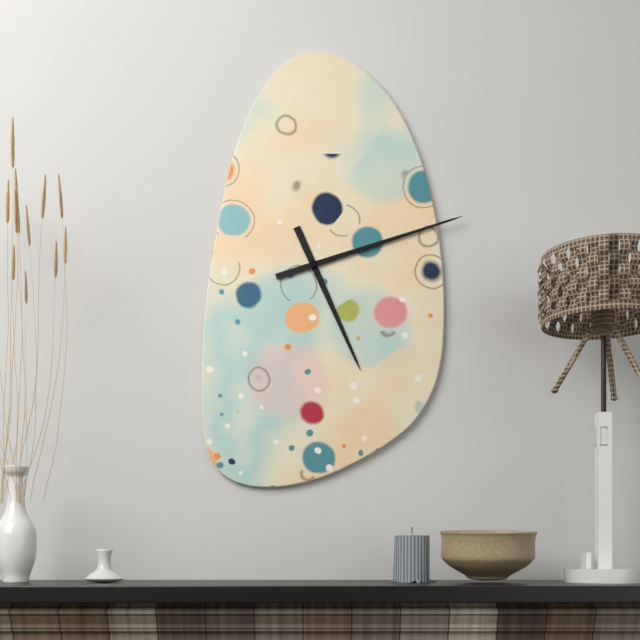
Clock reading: {"hour": 5, "minute": 12}
